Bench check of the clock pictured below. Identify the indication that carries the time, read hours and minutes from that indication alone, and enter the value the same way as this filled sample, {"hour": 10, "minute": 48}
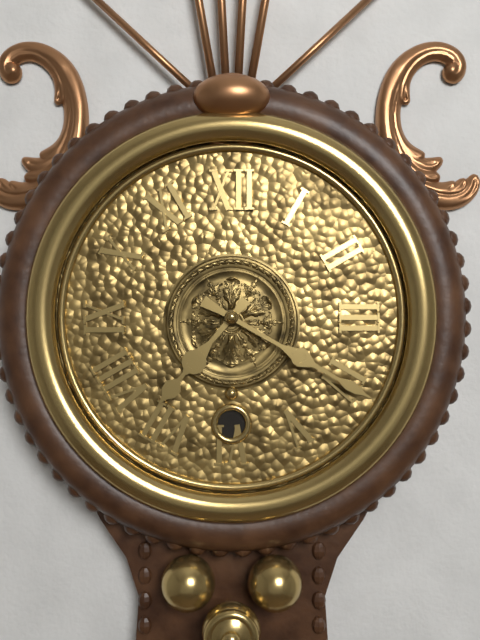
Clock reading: {"hour": 7, "minute": 20}
